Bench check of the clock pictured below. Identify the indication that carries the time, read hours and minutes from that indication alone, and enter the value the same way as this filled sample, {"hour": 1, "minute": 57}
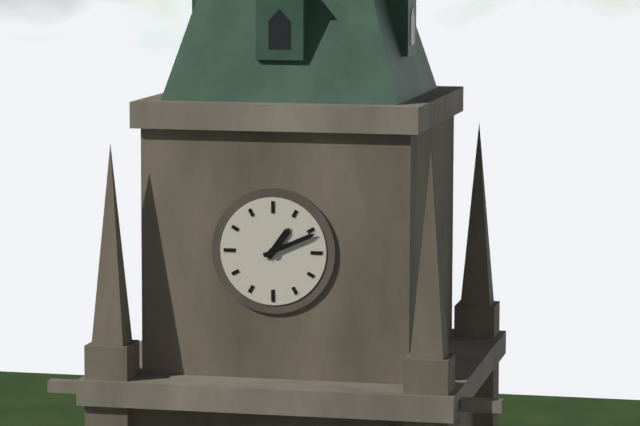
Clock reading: {"hour": 1, "minute": 11}
